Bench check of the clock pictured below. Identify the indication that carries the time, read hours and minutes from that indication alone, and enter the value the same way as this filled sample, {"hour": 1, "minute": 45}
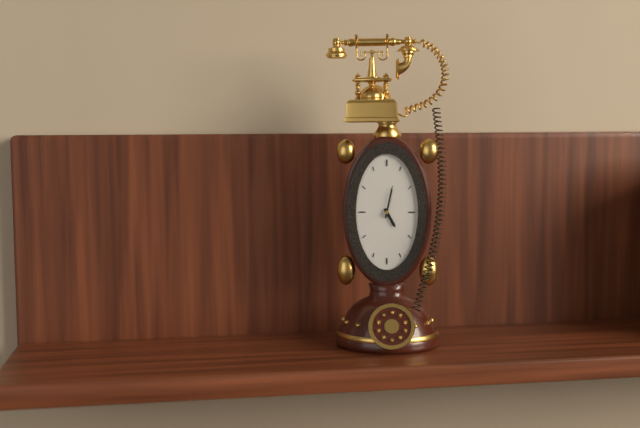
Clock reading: {"hour": 5, "minute": 2}
